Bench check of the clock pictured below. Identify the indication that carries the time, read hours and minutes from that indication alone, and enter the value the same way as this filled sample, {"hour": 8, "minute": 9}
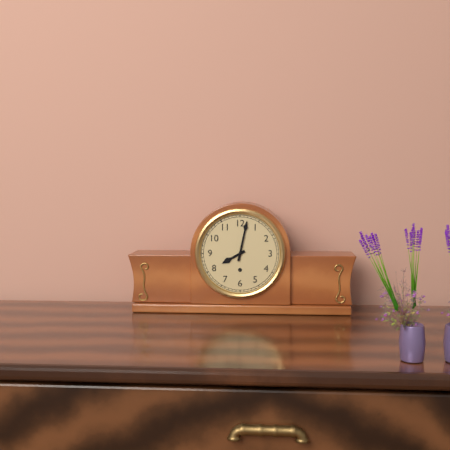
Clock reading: {"hour": 8, "minute": 2}
